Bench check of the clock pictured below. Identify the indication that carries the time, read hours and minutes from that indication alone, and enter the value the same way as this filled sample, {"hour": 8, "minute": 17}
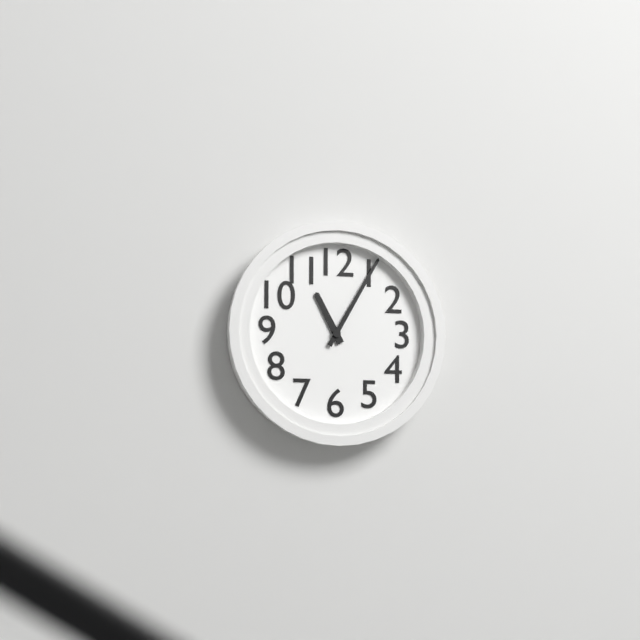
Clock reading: {"hour": 11, "minute": 5}
